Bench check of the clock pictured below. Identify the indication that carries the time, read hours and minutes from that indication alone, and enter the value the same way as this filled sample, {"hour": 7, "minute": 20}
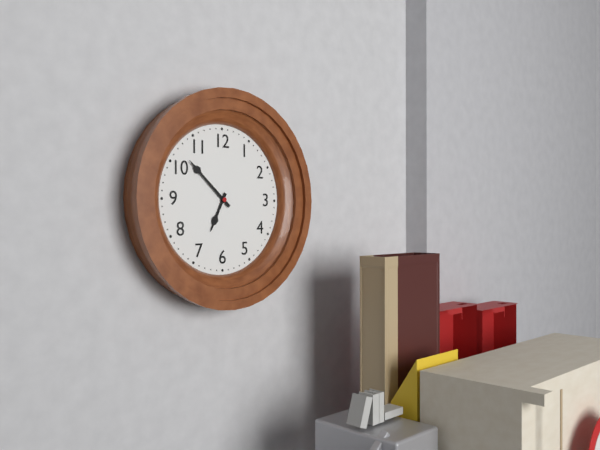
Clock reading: {"hour": 6, "minute": 52}
